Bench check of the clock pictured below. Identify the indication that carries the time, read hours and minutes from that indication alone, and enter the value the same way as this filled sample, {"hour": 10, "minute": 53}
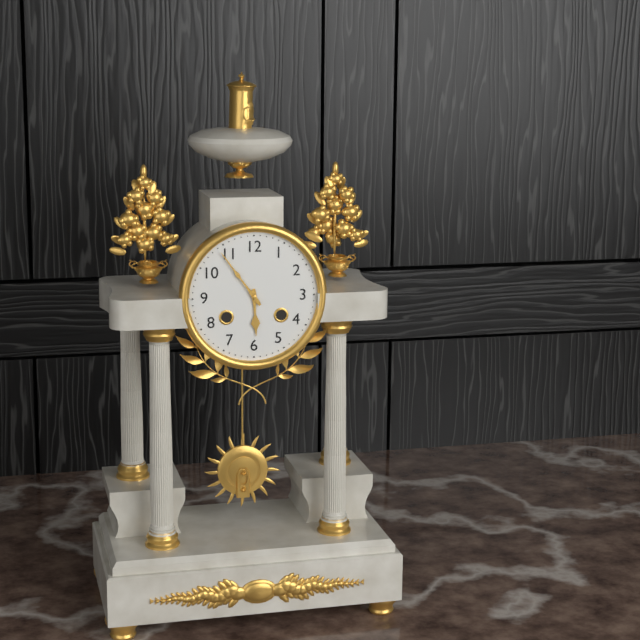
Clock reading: {"hour": 5, "minute": 54}
